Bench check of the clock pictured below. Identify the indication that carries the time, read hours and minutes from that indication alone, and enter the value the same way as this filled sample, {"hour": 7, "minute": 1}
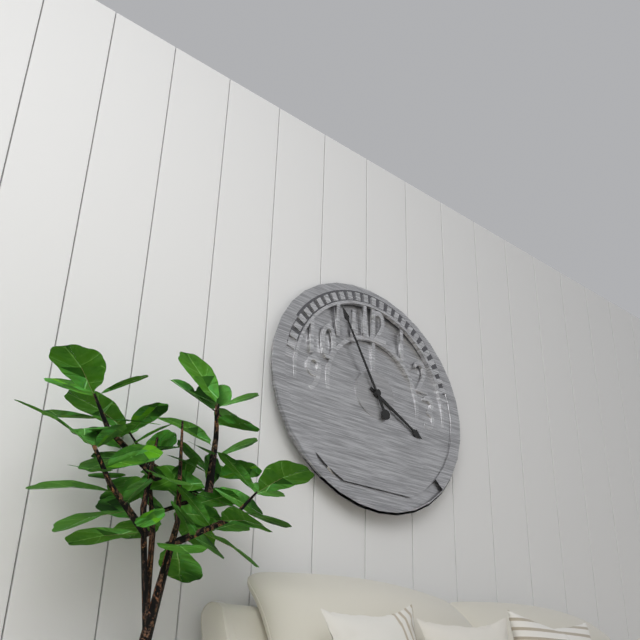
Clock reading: {"hour": 3, "minute": 55}
